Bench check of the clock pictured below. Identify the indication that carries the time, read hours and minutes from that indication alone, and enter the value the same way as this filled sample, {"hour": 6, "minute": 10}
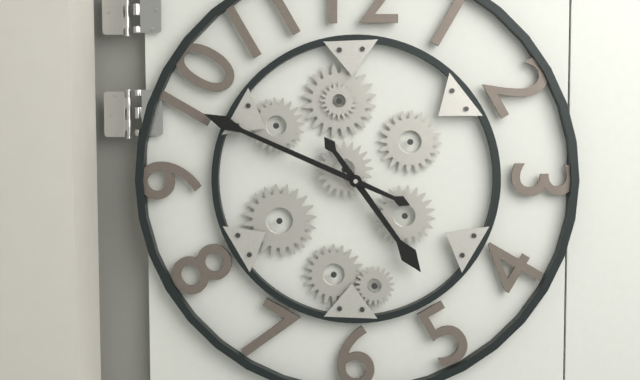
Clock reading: {"hour": 4, "minute": 49}
